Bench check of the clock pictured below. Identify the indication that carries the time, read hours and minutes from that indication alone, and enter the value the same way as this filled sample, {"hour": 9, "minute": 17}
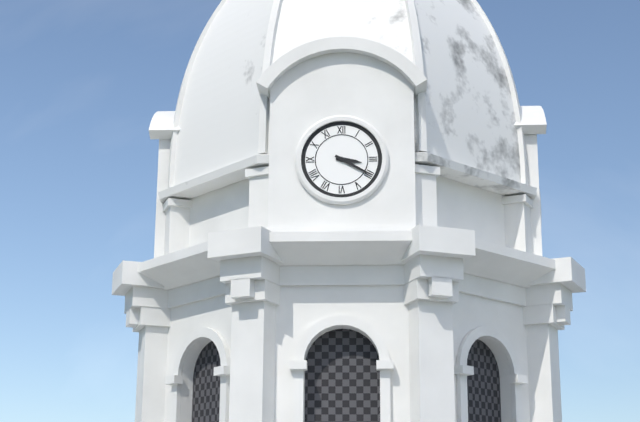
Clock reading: {"hour": 3, "minute": 20}
